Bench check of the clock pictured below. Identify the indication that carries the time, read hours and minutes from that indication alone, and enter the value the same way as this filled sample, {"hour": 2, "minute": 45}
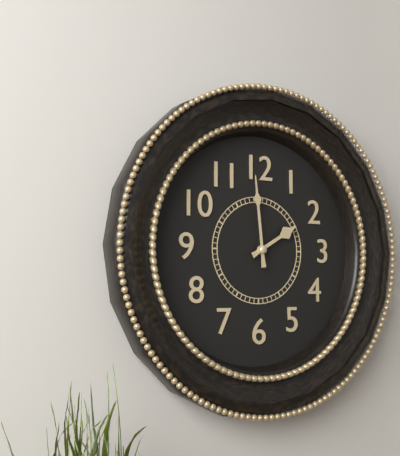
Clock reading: {"hour": 1, "minute": 59}
